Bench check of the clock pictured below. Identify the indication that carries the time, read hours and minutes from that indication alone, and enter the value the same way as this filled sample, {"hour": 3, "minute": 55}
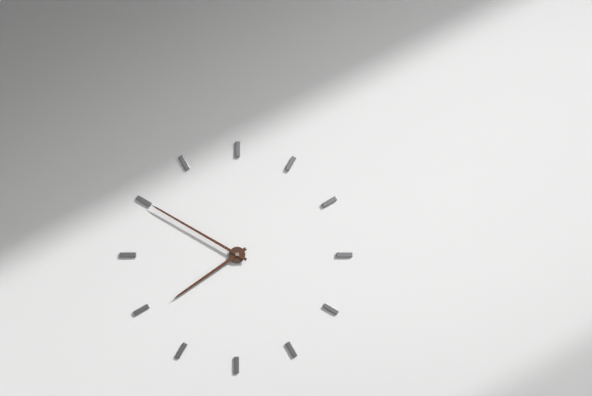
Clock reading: {"hour": 7, "minute": 50}
